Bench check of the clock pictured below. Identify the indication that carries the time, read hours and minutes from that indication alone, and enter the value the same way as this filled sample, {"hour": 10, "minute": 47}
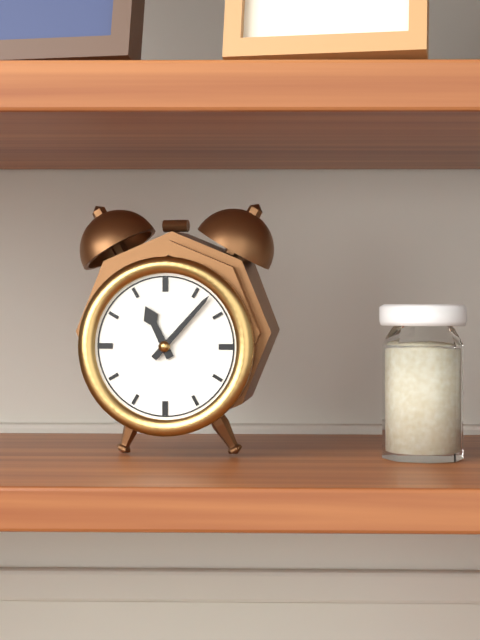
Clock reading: {"hour": 11, "minute": 7}
